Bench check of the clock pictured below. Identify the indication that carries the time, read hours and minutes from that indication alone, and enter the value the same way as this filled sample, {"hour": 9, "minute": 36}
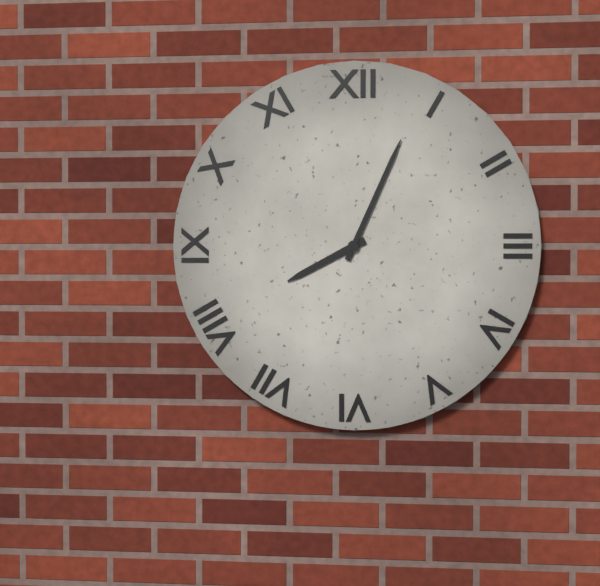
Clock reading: {"hour": 8, "minute": 4}
